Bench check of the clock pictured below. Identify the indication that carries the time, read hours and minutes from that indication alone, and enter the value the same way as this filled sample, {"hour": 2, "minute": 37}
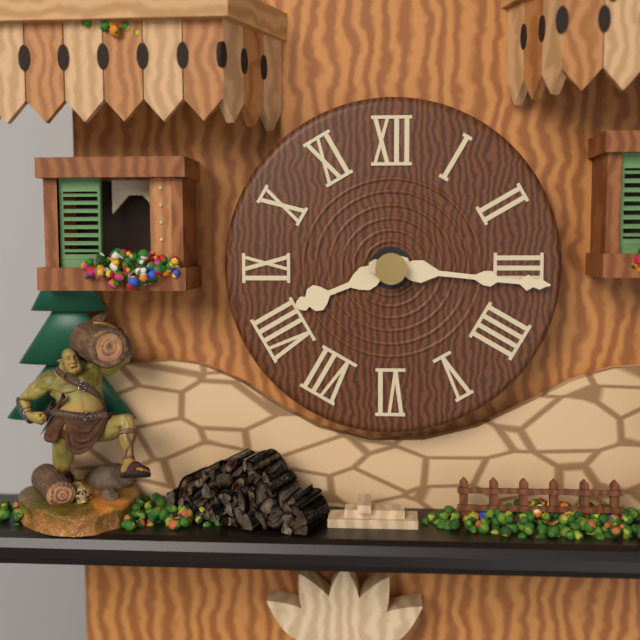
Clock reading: {"hour": 8, "minute": 16}
